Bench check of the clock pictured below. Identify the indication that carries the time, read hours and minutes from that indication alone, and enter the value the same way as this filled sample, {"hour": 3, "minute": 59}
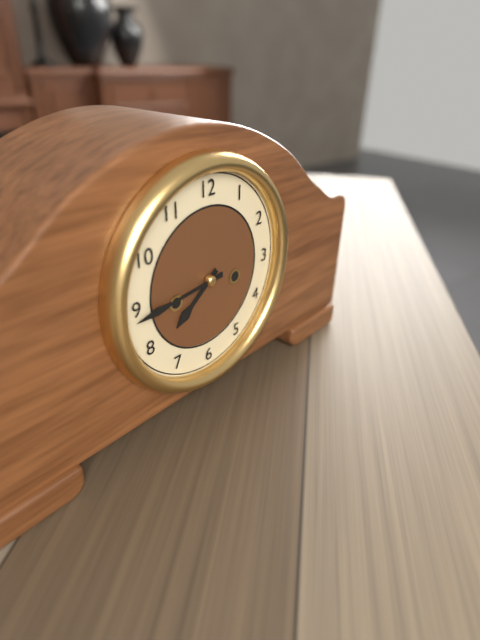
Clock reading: {"hour": 7, "minute": 44}
